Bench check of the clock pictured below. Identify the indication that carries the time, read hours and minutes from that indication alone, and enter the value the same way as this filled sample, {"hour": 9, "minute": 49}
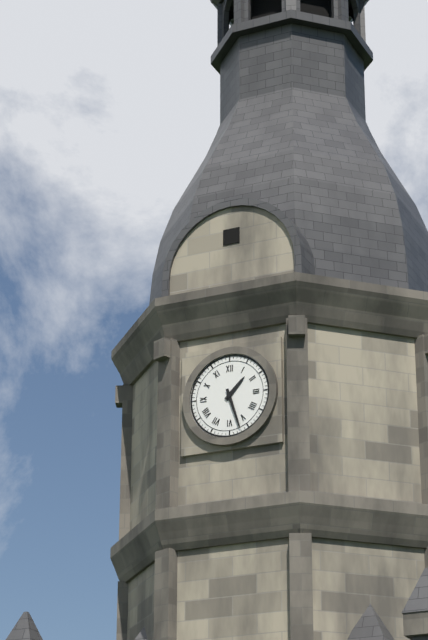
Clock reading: {"hour": 1, "minute": 27}
